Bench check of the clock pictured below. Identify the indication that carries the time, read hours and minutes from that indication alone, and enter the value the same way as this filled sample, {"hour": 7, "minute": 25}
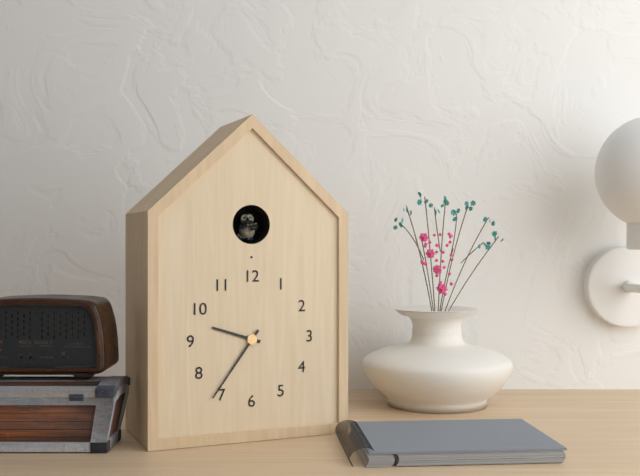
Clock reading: {"hour": 9, "minute": 36}
